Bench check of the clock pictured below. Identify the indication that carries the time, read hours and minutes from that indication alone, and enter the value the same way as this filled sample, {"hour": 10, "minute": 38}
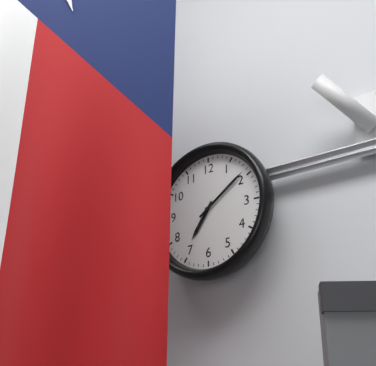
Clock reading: {"hour": 7, "minute": 9}
